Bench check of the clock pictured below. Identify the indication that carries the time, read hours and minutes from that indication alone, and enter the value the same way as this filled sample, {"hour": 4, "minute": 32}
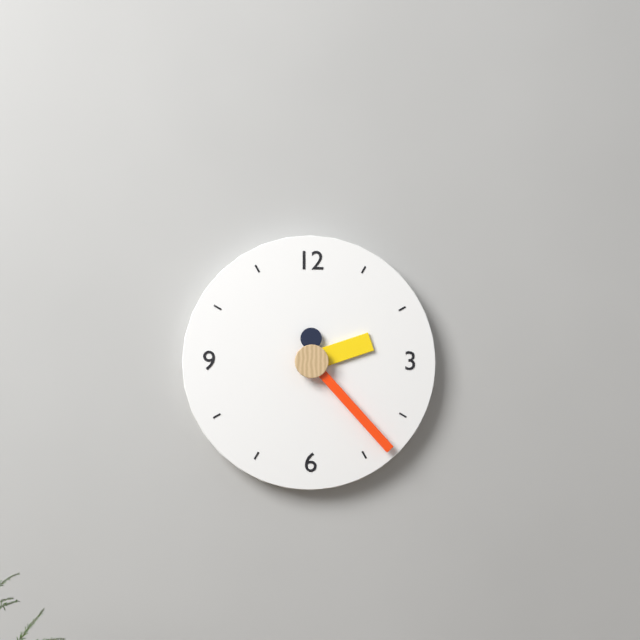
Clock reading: {"hour": 2, "minute": 23}
